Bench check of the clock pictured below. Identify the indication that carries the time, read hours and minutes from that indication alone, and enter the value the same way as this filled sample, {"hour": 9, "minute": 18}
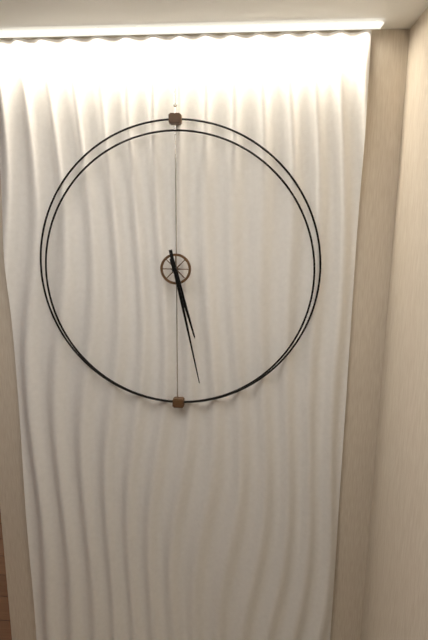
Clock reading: {"hour": 5, "minute": 28}
